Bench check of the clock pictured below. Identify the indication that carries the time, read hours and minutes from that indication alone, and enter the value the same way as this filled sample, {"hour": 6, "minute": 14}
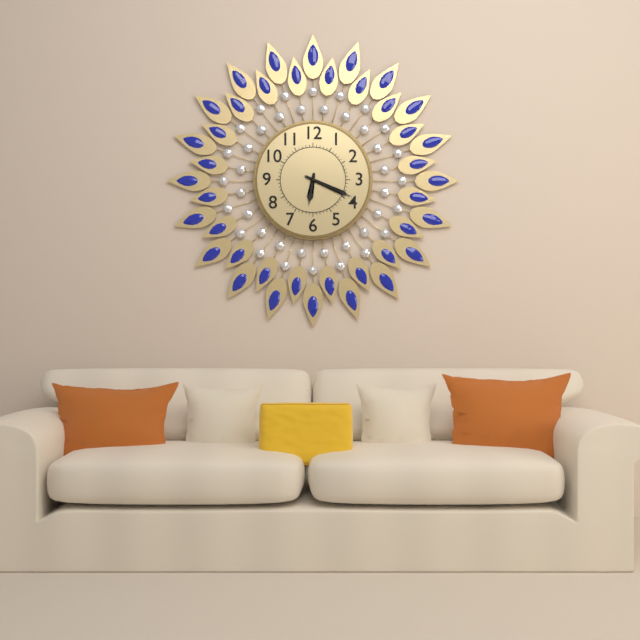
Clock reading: {"hour": 6, "minute": 19}
